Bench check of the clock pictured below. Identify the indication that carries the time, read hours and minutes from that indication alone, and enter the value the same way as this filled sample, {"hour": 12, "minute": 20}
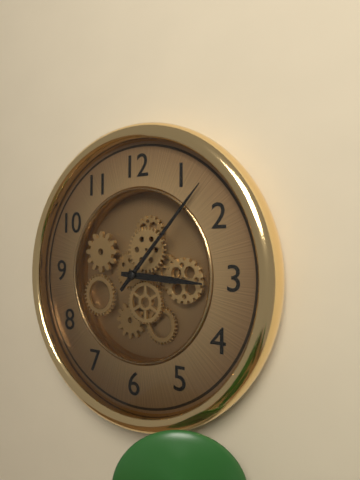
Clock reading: {"hour": 3, "minute": 7}
